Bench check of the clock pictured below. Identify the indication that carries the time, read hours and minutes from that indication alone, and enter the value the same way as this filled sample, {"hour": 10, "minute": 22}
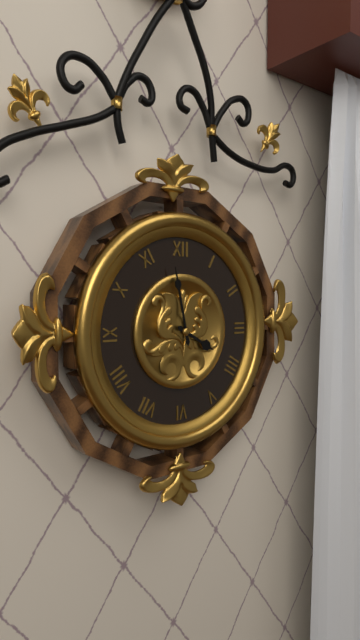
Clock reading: {"hour": 3, "minute": 58}
